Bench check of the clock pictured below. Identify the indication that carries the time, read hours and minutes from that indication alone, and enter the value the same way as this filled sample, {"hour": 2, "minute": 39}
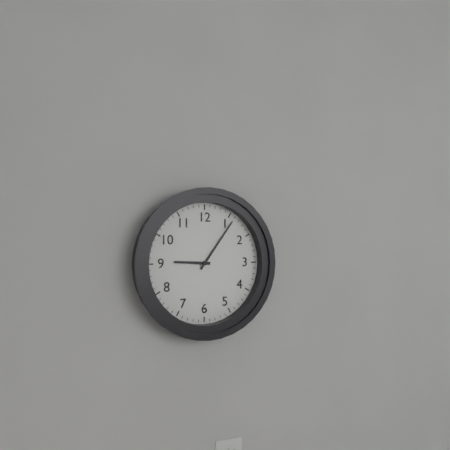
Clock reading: {"hour": 9, "minute": 6}
